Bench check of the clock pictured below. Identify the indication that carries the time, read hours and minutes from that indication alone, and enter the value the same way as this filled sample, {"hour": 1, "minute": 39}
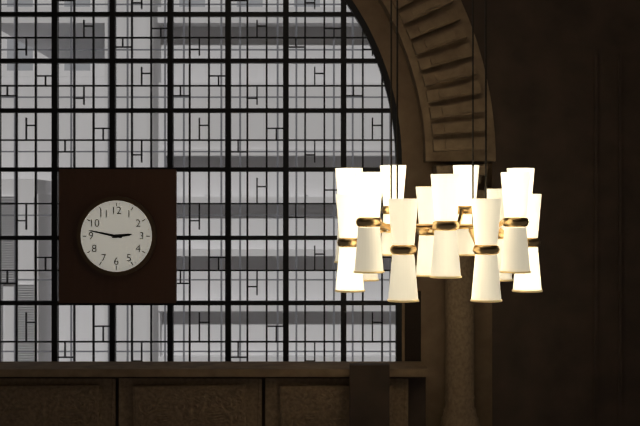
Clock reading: {"hour": 2, "minute": 47}
